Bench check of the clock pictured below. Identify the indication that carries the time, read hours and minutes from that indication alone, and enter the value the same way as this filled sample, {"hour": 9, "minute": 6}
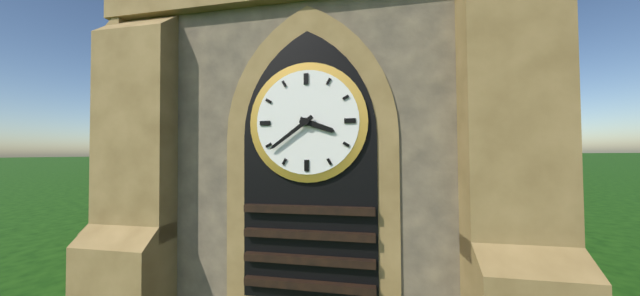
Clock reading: {"hour": 3, "minute": 39}
